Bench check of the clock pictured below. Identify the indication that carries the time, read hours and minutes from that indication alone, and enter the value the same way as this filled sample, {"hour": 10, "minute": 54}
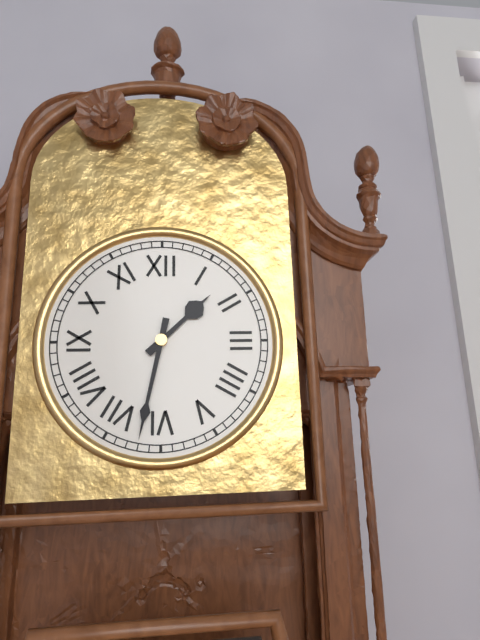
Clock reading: {"hour": 1, "minute": 32}
